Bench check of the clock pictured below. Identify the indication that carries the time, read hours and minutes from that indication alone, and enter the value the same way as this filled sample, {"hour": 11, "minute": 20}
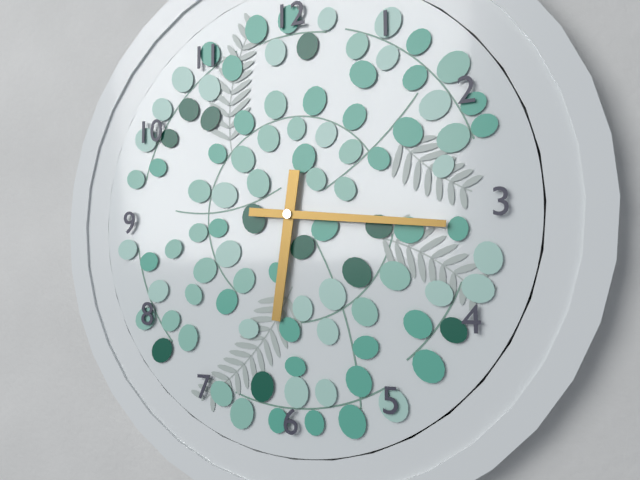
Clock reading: {"hour": 6, "minute": 16}
